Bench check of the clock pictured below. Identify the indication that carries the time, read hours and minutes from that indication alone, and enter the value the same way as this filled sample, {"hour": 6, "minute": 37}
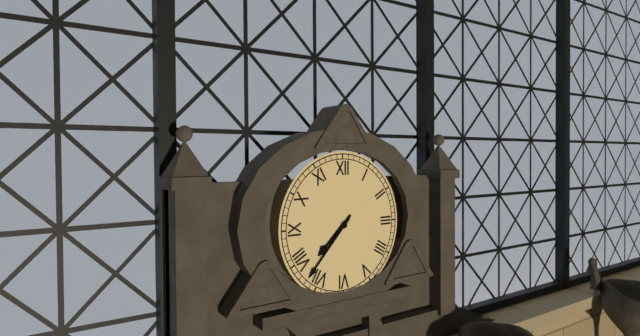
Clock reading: {"hour": 7, "minute": 37}
